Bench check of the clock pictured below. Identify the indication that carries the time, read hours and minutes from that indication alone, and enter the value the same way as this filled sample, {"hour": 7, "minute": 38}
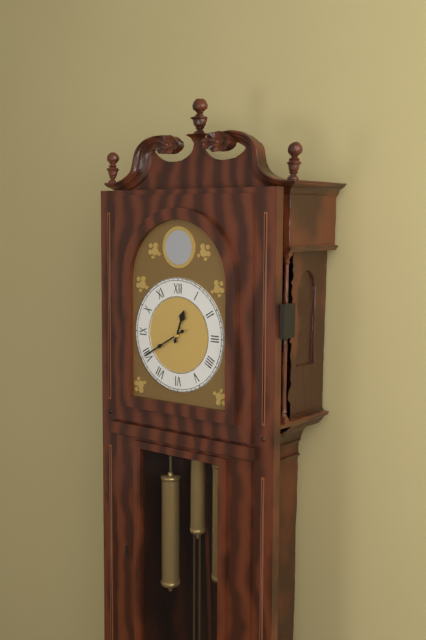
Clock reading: {"hour": 12, "minute": 40}
